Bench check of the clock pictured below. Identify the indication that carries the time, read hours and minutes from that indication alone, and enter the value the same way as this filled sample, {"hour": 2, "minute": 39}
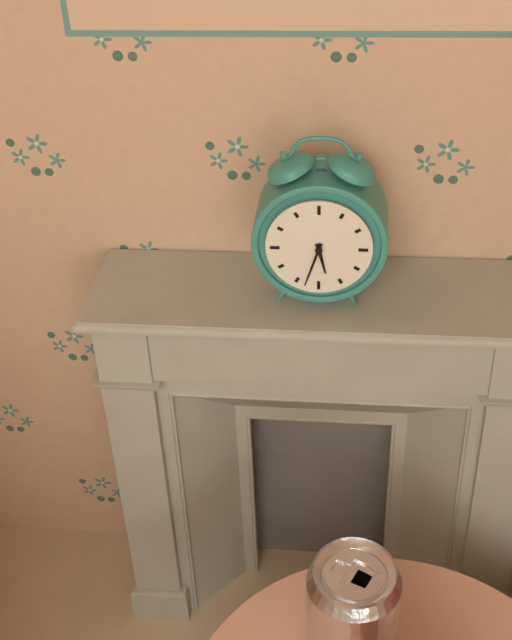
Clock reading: {"hour": 5, "minute": 33}
